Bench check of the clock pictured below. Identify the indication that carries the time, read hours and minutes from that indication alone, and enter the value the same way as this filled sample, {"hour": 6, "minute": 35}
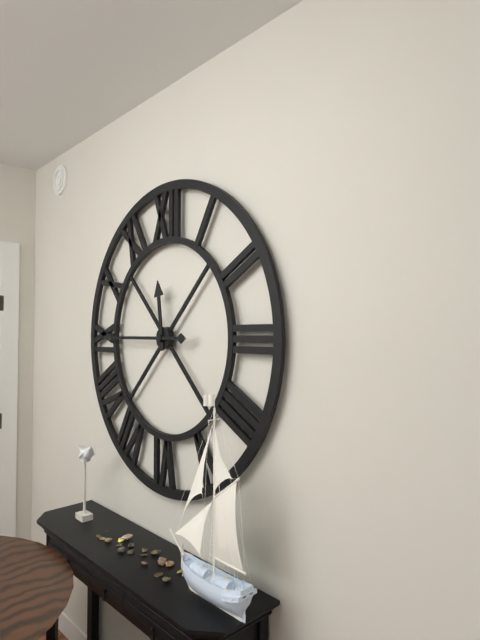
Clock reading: {"hour": 11, "minute": 45}
